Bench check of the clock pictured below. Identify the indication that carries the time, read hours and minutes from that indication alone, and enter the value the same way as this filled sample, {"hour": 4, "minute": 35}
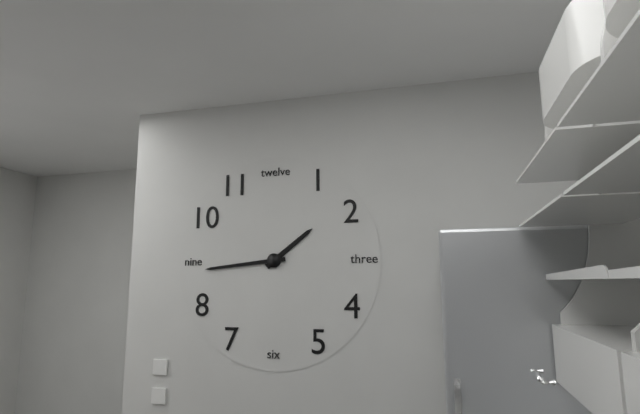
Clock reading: {"hour": 1, "minute": 44}
